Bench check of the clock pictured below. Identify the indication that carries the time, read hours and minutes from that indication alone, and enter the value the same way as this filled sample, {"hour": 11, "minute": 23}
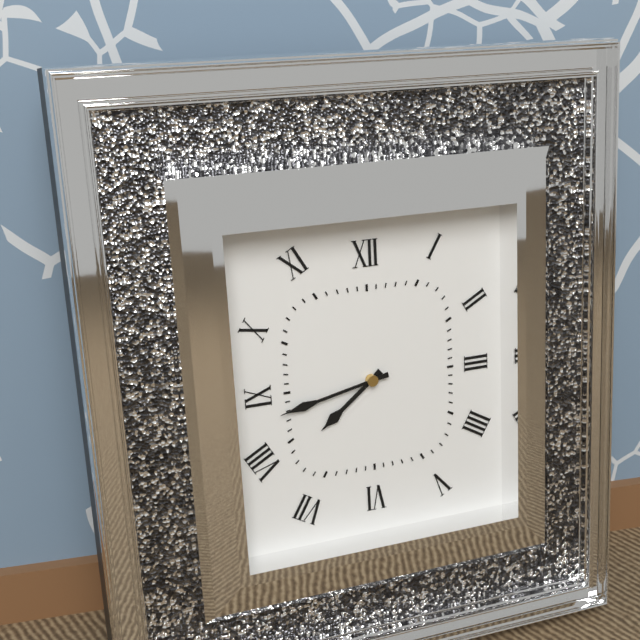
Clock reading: {"hour": 7, "minute": 43}
